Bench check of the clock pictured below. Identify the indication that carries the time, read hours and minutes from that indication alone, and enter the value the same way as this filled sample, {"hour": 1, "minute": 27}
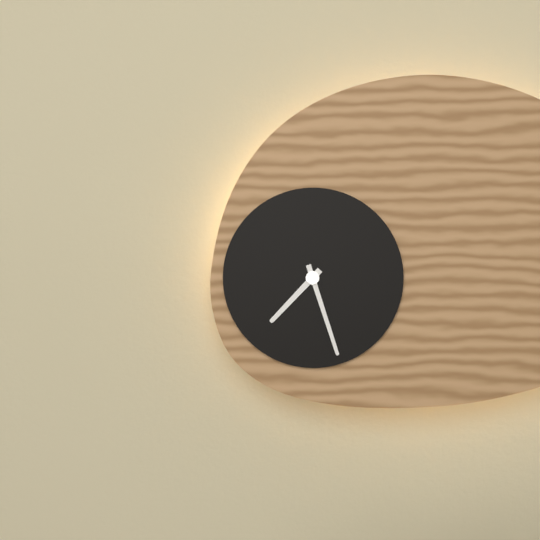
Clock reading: {"hour": 7, "minute": 27}
